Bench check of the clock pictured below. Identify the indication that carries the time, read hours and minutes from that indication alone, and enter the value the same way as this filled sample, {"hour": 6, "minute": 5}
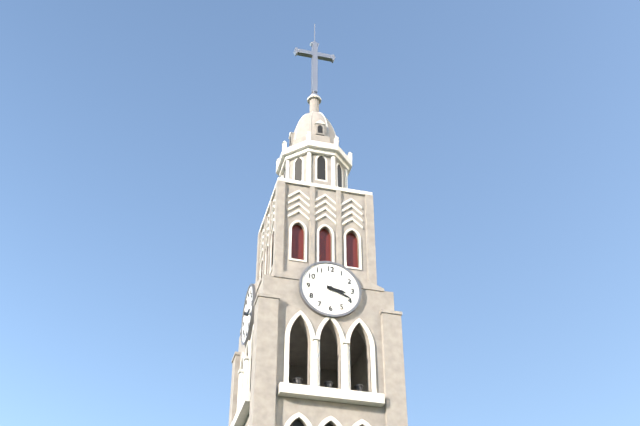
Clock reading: {"hour": 3, "minute": 19}
